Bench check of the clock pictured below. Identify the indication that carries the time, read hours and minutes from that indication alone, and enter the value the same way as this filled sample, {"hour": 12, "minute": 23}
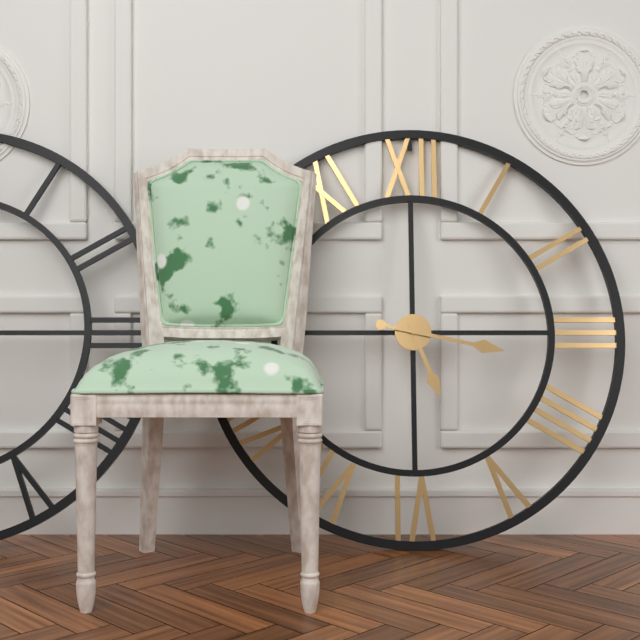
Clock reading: {"hour": 5, "minute": 17}
